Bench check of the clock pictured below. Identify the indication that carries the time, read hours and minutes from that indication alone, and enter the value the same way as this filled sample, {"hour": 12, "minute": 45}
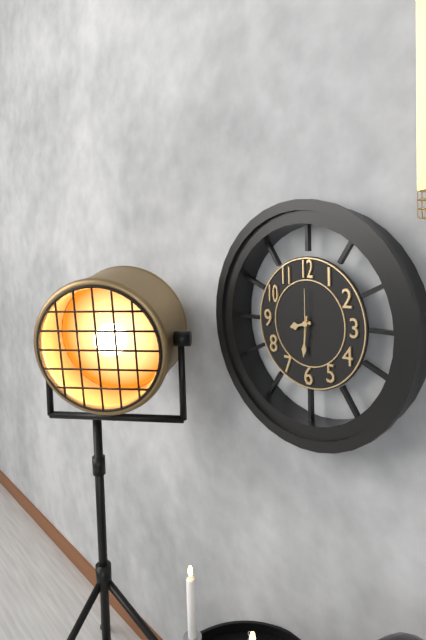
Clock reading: {"hour": 8, "minute": 31}
